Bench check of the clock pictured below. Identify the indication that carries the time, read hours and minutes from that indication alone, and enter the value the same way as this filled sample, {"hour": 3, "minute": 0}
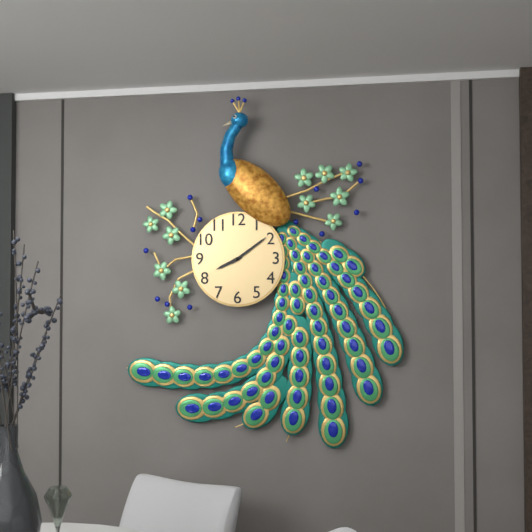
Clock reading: {"hour": 8, "minute": 9}
